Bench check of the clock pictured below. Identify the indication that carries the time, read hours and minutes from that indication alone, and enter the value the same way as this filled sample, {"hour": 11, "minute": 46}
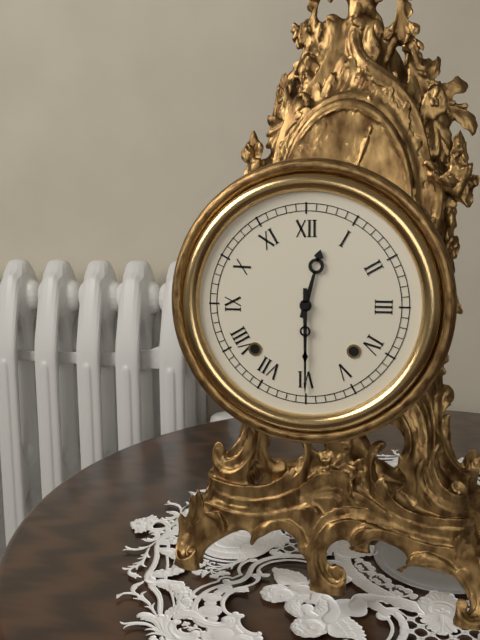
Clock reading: {"hour": 12, "minute": 30}
